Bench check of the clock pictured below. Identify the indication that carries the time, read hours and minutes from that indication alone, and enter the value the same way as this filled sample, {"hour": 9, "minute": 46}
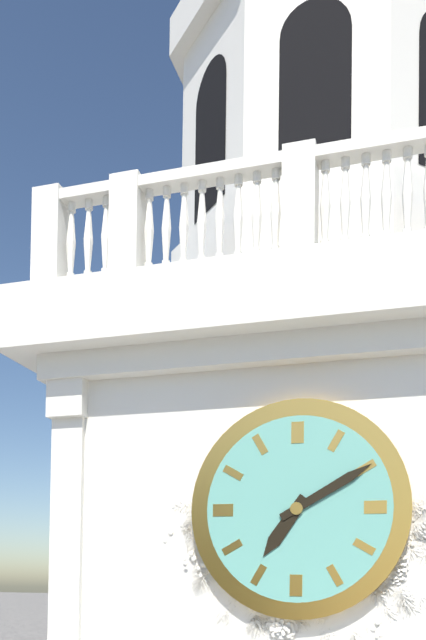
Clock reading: {"hour": 7, "minute": 10}
